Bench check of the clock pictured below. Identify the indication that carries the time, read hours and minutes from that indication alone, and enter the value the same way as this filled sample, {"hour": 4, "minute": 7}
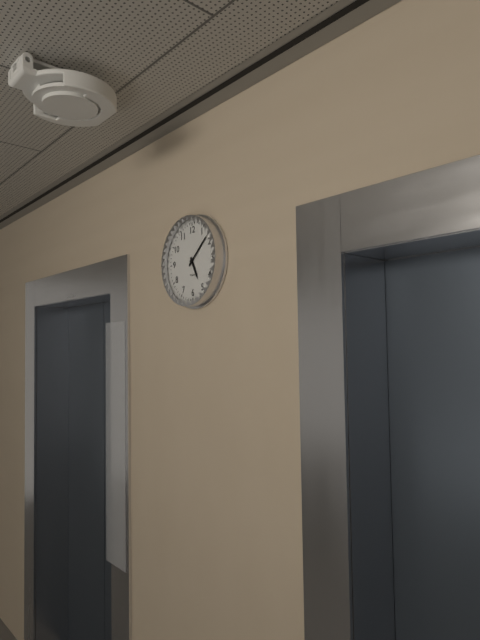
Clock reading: {"hour": 5, "minute": 8}
